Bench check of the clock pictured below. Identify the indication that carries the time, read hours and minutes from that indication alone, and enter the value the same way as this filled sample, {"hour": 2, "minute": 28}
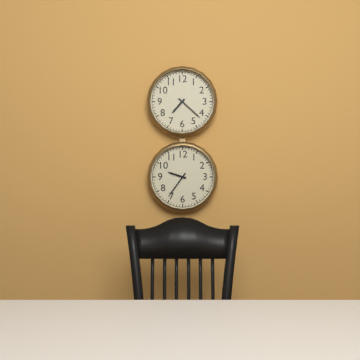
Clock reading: {"hour": 7, "minute": 22}
